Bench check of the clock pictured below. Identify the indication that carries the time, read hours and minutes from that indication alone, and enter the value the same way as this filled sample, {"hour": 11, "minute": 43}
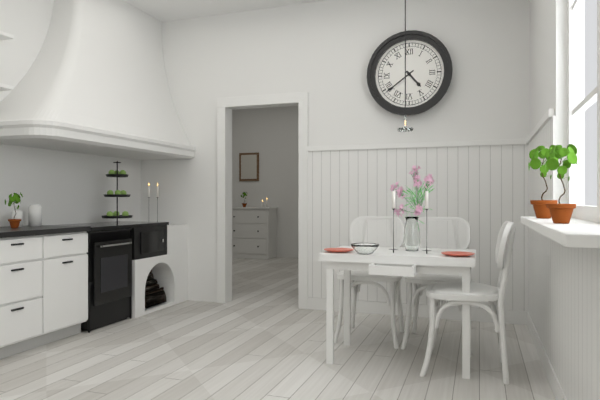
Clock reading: {"hour": 4, "minute": 39}
